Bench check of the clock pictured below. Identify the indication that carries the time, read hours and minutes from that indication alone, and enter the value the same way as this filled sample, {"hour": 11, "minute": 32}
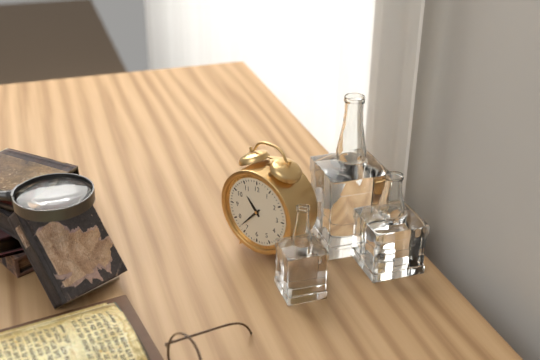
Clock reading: {"hour": 10, "minute": 37}
